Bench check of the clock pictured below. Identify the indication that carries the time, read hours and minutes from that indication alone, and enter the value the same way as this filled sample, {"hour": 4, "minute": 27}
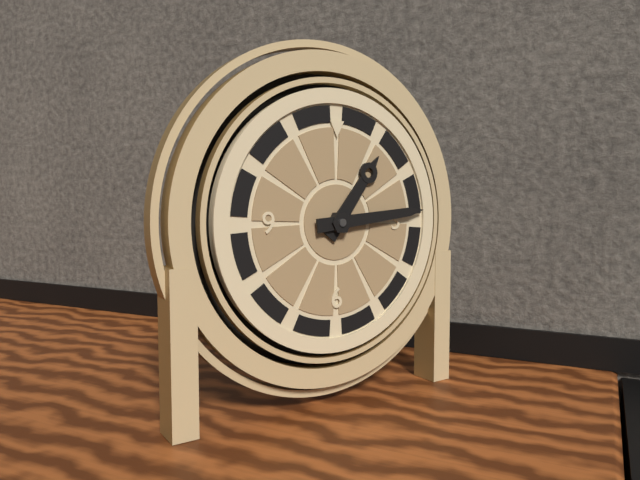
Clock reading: {"hour": 1, "minute": 14}
